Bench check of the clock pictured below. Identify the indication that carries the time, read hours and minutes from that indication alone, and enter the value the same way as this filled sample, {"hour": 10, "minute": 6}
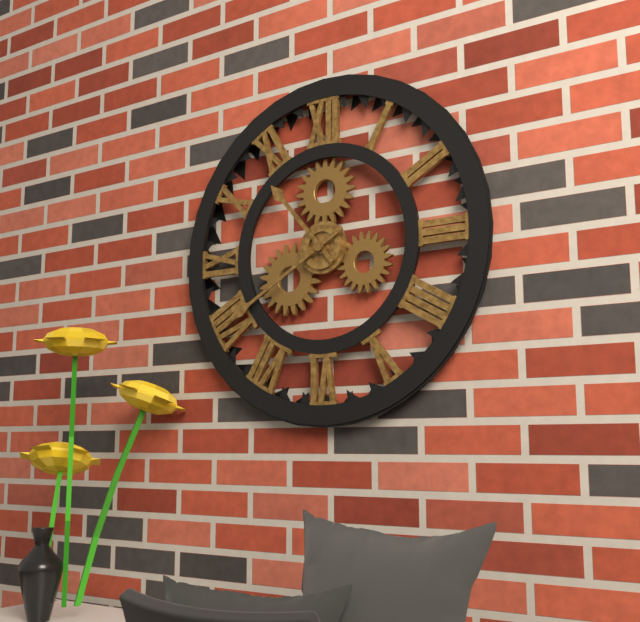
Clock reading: {"hour": 10, "minute": 40}
